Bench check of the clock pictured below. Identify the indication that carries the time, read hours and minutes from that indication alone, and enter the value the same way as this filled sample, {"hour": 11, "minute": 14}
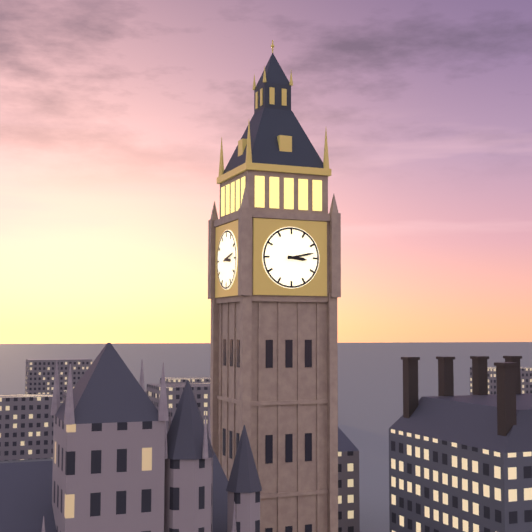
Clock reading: {"hour": 3, "minute": 13}
